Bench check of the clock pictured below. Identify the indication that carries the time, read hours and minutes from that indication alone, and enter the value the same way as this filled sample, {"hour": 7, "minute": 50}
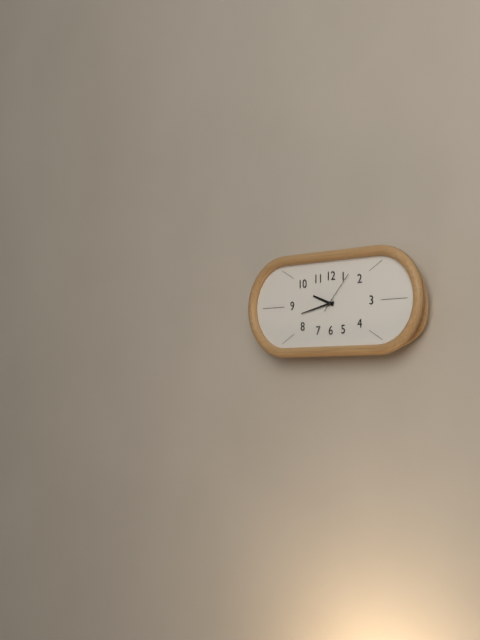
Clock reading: {"hour": 9, "minute": 43}
